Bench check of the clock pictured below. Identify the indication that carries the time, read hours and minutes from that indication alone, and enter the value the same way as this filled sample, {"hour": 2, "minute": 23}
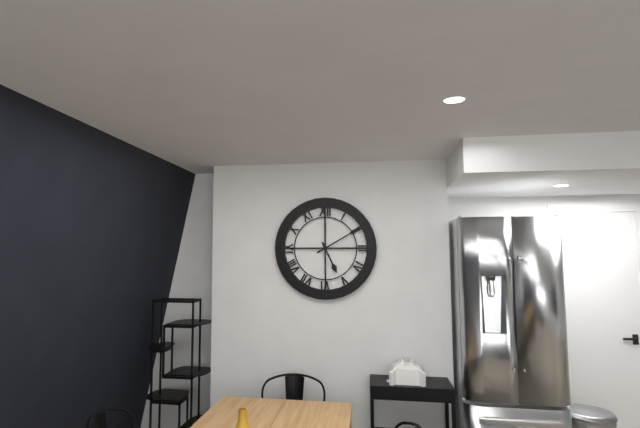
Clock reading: {"hour": 5, "minute": 10}
